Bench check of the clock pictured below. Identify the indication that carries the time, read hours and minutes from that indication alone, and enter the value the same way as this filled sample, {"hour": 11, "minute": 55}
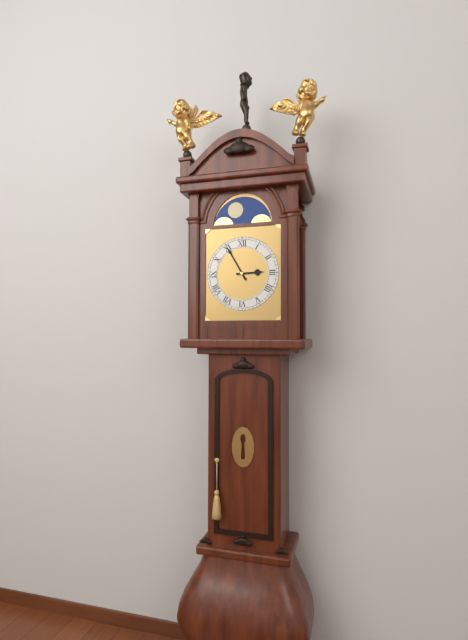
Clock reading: {"hour": 2, "minute": 55}
